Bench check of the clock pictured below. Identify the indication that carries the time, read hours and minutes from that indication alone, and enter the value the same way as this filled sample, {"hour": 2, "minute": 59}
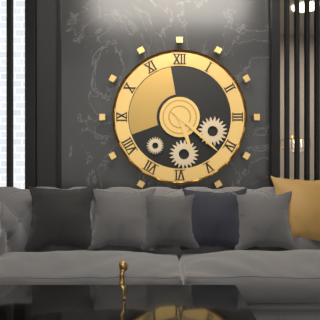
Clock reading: {"hour": 5, "minute": 22}
